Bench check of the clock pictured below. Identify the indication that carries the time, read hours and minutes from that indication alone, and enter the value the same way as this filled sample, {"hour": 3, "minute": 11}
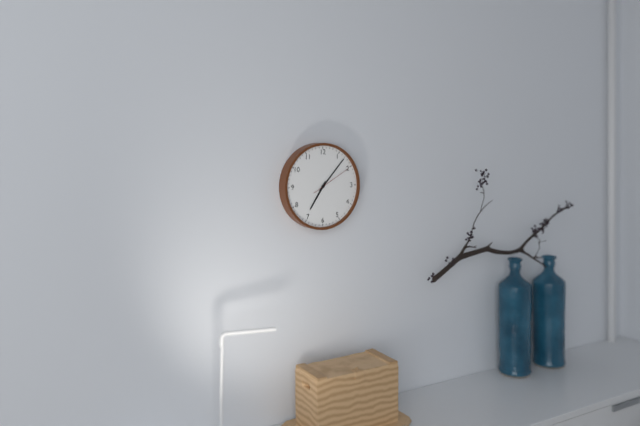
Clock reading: {"hour": 7, "minute": 7}
